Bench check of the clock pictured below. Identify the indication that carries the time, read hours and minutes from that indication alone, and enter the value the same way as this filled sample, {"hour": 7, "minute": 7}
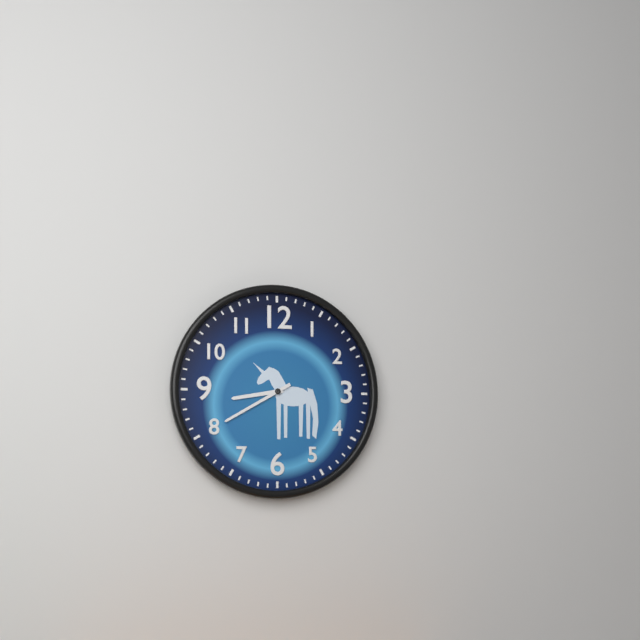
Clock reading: {"hour": 8, "minute": 40}
